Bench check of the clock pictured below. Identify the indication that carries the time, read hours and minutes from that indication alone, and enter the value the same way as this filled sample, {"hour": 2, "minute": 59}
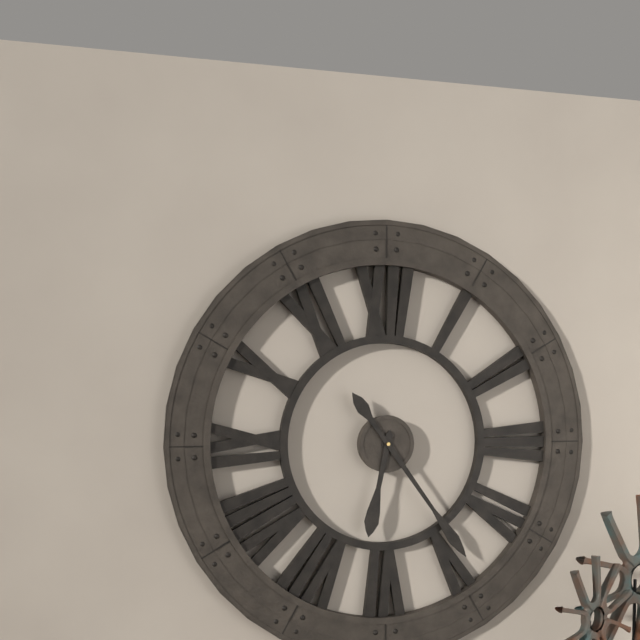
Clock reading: {"hour": 6, "minute": 24}
